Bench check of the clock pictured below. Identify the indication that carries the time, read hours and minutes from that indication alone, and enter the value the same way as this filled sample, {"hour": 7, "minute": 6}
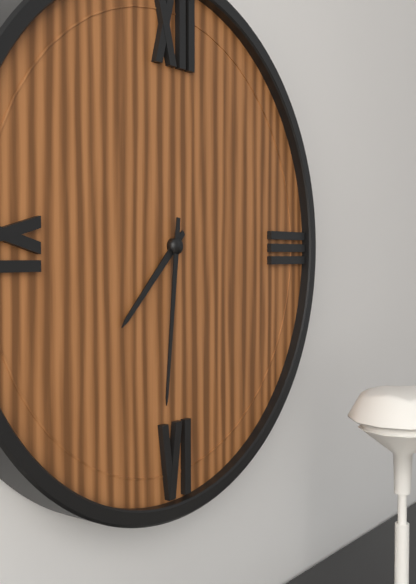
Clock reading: {"hour": 7, "minute": 31}
